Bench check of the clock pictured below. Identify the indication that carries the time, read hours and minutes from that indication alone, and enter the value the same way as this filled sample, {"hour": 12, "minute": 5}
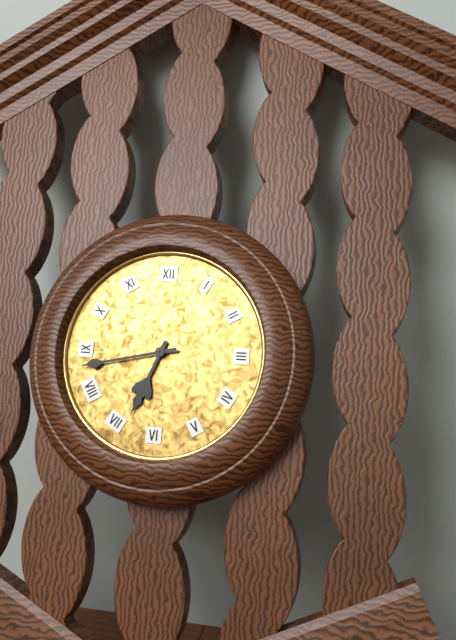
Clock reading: {"hour": 6, "minute": 43}
